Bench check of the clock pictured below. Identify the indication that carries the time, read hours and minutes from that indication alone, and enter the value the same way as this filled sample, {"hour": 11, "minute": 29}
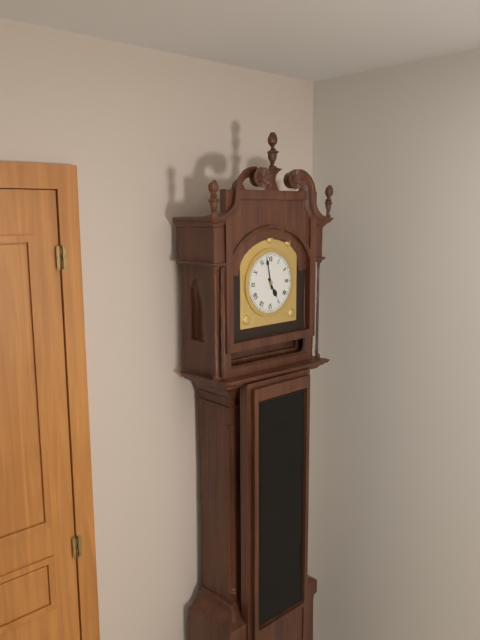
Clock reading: {"hour": 4, "minute": 58}
